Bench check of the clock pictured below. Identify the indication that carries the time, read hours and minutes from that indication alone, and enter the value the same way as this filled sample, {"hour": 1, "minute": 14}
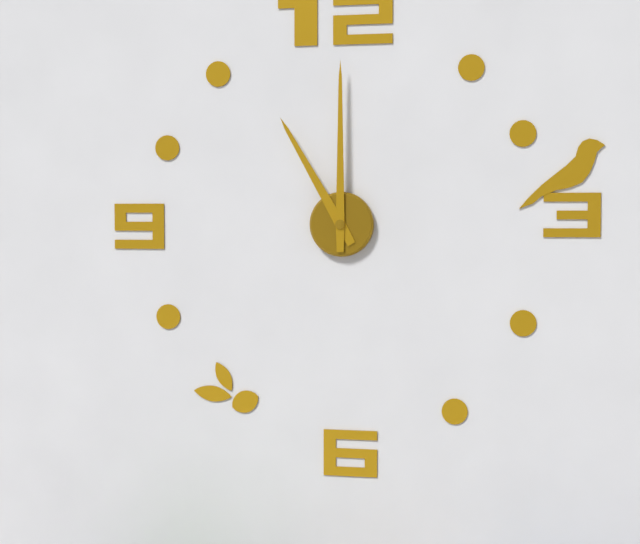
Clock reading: {"hour": 11, "minute": 0}
